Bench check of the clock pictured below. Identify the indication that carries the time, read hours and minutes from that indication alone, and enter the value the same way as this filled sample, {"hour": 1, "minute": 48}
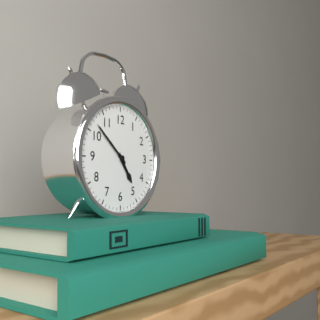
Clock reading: {"hour": 4, "minute": 52}
